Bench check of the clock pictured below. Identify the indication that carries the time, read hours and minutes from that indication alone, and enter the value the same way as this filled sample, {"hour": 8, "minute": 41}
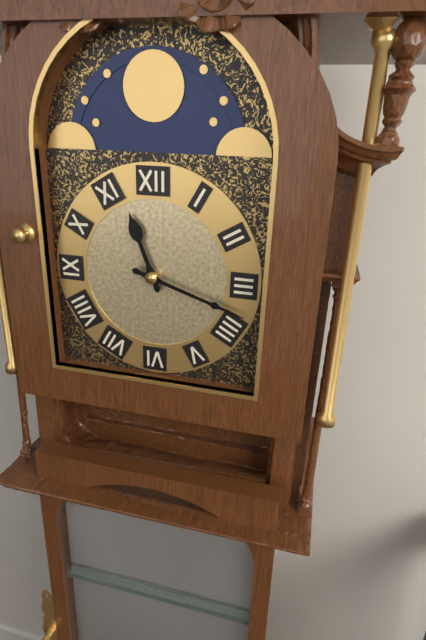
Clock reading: {"hour": 11, "minute": 18}
